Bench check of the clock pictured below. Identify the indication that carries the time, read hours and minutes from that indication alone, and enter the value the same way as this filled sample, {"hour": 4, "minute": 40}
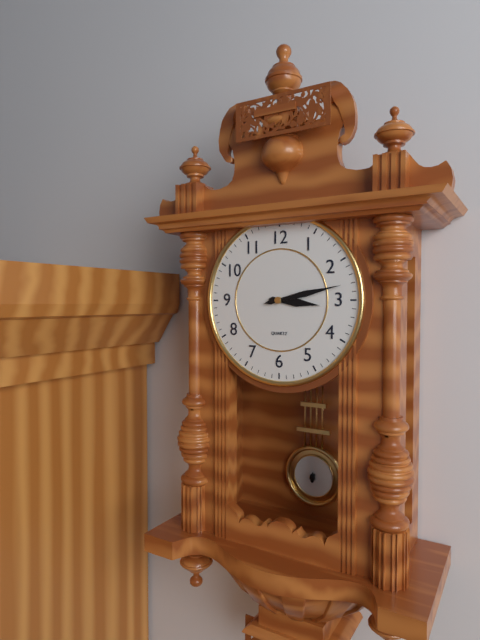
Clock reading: {"hour": 3, "minute": 13}
